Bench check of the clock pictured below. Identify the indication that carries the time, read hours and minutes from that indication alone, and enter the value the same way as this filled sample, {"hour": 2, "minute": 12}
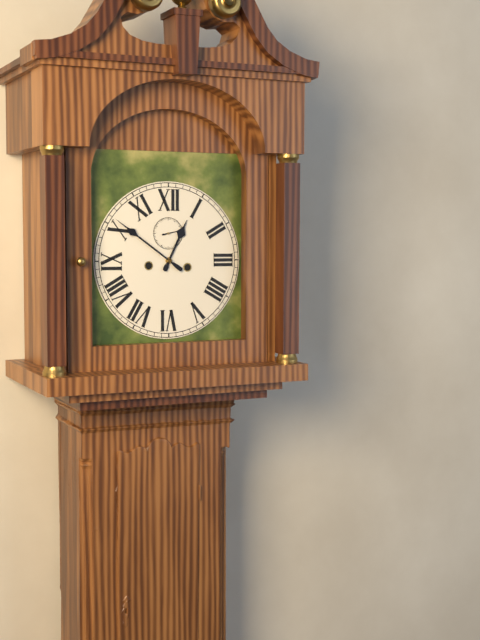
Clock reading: {"hour": 12, "minute": 51}
